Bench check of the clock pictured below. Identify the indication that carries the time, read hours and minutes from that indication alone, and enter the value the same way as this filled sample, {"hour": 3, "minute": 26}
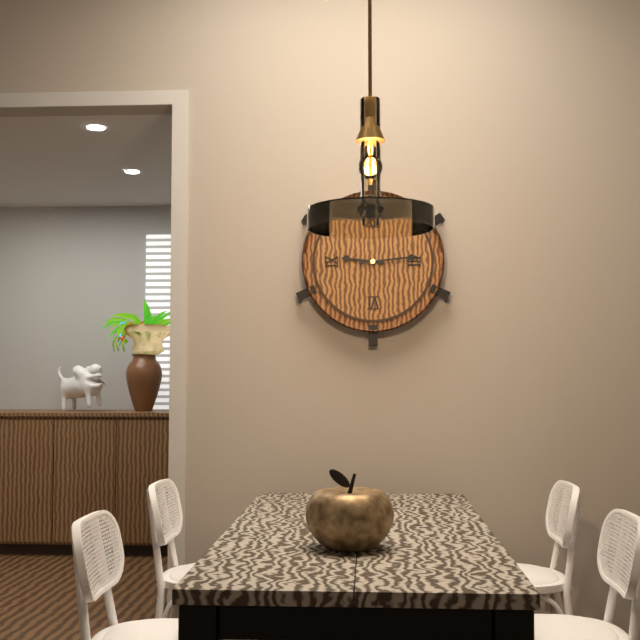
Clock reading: {"hour": 9, "minute": 14}
